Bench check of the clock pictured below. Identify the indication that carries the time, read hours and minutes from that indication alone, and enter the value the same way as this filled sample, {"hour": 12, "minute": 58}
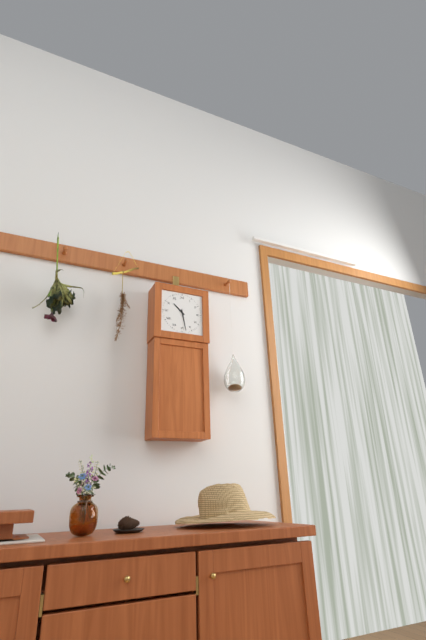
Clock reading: {"hour": 10, "minute": 28}
